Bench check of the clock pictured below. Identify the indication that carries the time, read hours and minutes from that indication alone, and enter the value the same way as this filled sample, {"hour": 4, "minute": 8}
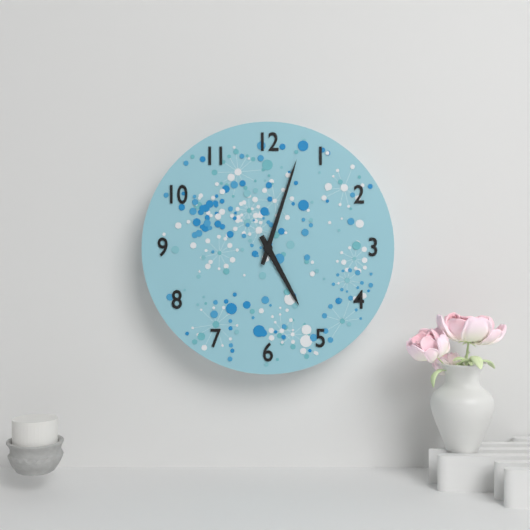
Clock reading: {"hour": 5, "minute": 3}
